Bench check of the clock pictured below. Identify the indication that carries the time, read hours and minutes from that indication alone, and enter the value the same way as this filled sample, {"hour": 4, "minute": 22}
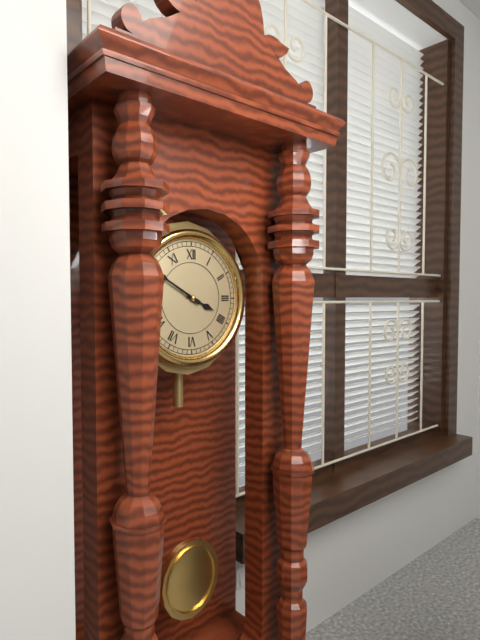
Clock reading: {"hour": 3, "minute": 50}
